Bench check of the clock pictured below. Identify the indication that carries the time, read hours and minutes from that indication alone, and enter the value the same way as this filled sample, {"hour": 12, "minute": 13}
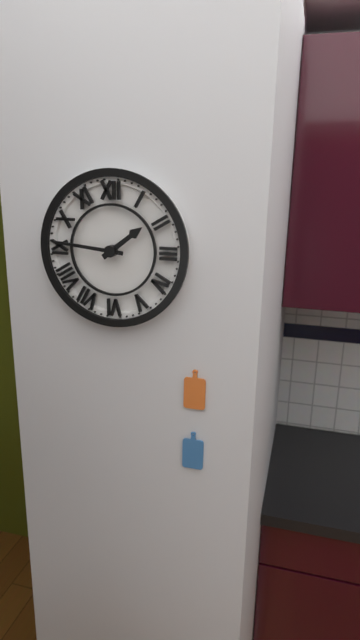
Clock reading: {"hour": 1, "minute": 46}
